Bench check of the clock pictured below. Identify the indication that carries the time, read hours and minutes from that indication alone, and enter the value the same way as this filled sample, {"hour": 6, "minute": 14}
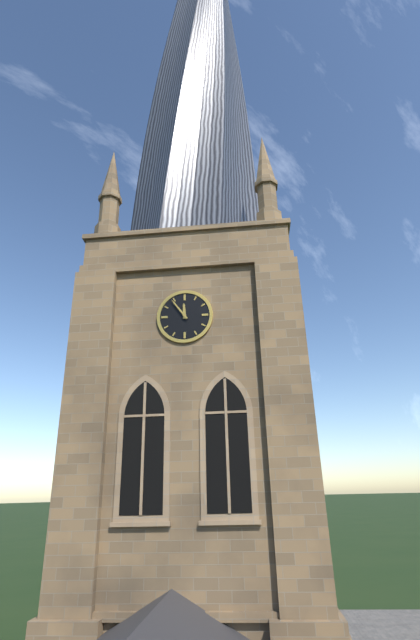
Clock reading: {"hour": 11, "minute": 54}
